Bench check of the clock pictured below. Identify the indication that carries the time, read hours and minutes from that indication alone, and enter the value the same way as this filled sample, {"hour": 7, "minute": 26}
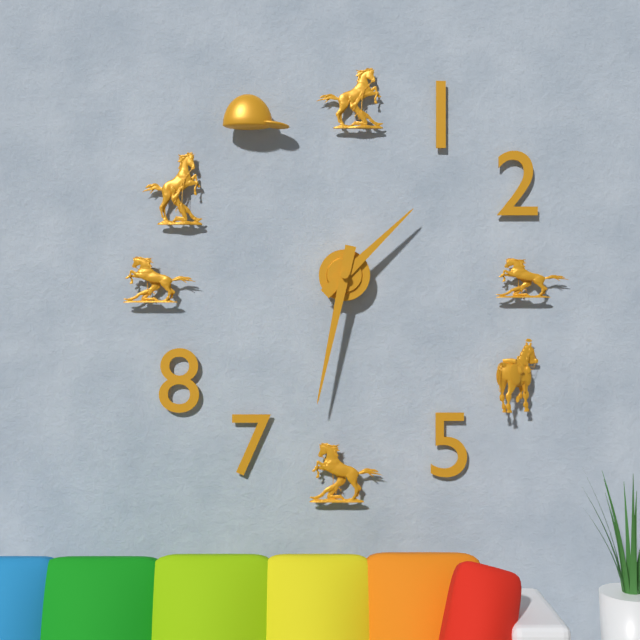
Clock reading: {"hour": 1, "minute": 32}
